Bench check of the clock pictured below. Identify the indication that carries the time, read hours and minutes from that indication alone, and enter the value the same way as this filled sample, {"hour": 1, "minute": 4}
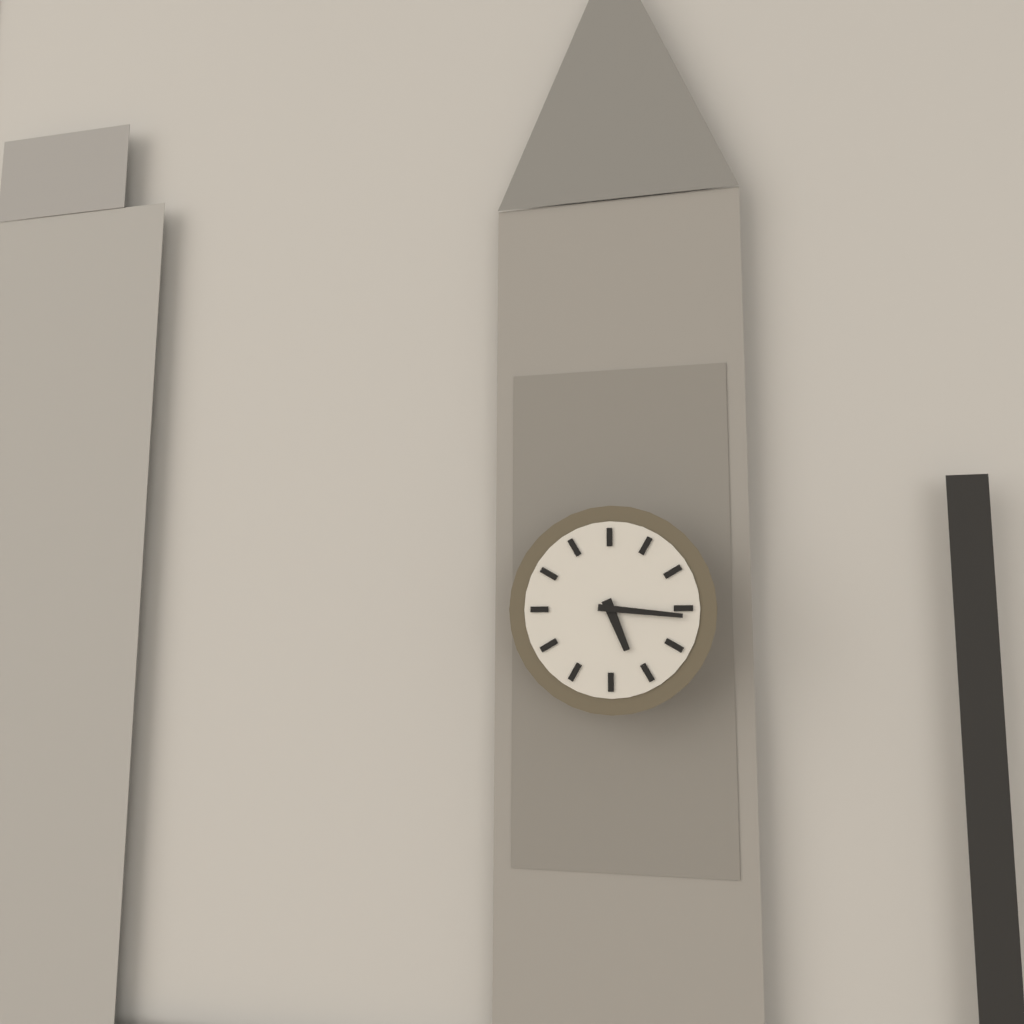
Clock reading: {"hour": 5, "minute": 16}
